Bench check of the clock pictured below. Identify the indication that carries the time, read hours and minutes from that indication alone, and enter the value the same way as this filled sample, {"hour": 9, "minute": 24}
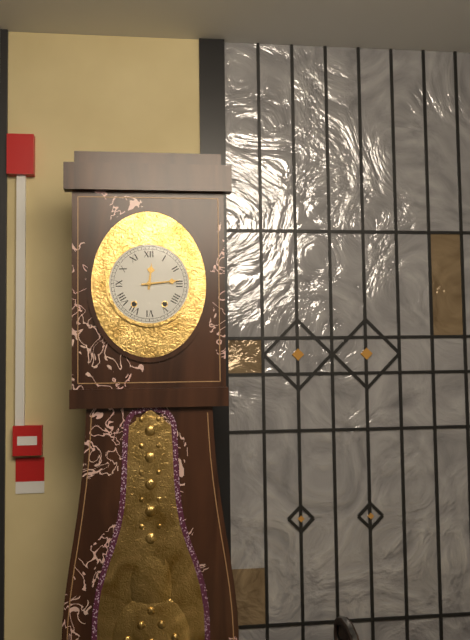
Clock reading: {"hour": 12, "minute": 14}
